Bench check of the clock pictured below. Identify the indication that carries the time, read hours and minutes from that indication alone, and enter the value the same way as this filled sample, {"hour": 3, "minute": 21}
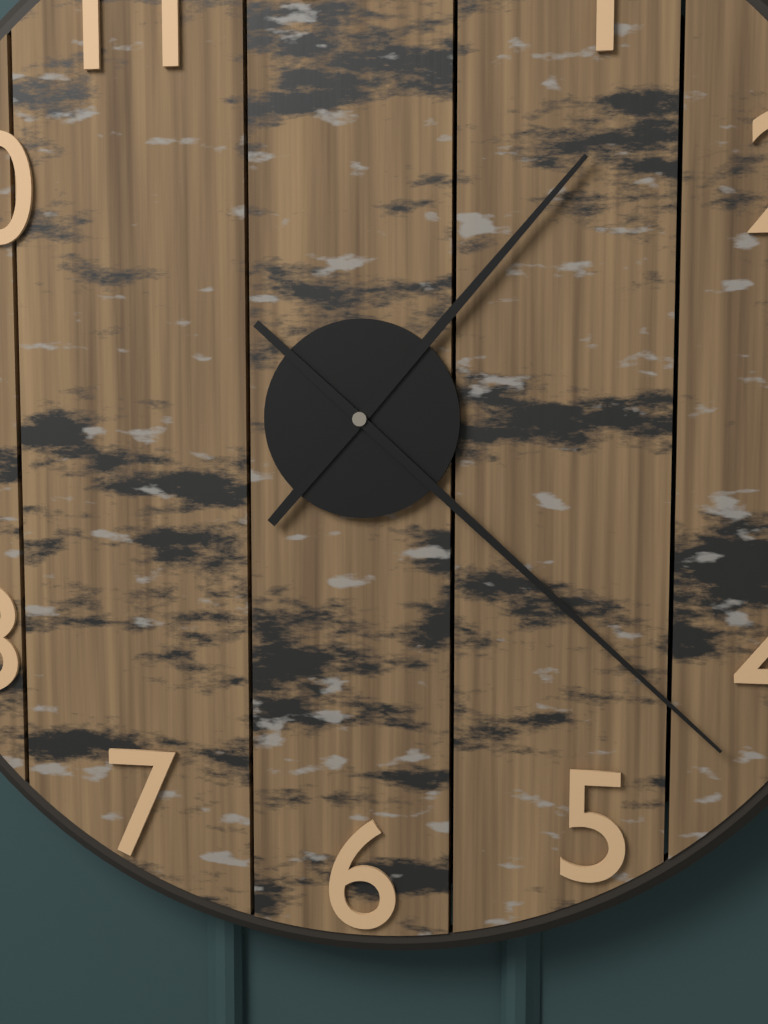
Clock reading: {"hour": 1, "minute": 22}
